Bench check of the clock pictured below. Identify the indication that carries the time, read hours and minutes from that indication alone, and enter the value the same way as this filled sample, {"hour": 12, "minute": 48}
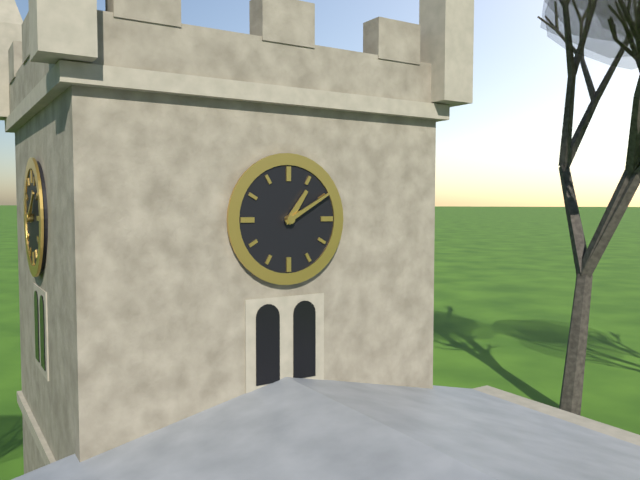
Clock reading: {"hour": 1, "minute": 10}
